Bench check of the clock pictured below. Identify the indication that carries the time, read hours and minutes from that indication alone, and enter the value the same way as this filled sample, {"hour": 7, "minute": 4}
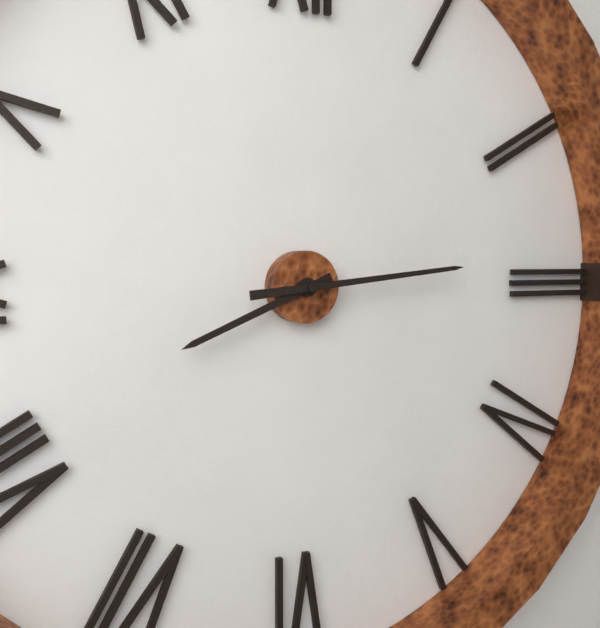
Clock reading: {"hour": 8, "minute": 14}
